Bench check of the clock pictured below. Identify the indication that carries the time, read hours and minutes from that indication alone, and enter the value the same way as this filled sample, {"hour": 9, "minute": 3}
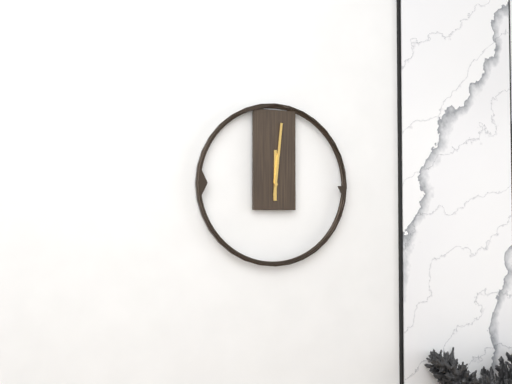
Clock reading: {"hour": 12, "minute": 1}
